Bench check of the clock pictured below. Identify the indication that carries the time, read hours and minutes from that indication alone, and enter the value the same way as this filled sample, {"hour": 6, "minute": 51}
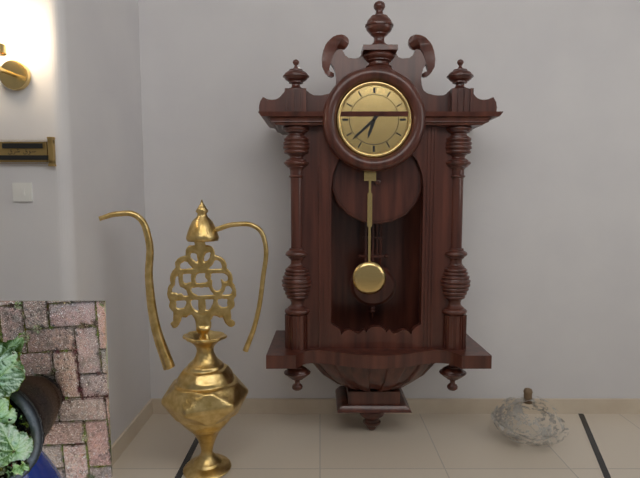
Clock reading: {"hour": 6, "minute": 38}
